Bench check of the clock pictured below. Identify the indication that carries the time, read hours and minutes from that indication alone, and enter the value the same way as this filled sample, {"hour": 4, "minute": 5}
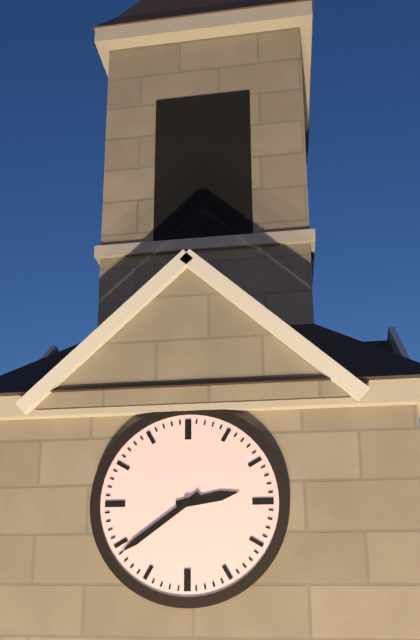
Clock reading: {"hour": 2, "minute": 39}
